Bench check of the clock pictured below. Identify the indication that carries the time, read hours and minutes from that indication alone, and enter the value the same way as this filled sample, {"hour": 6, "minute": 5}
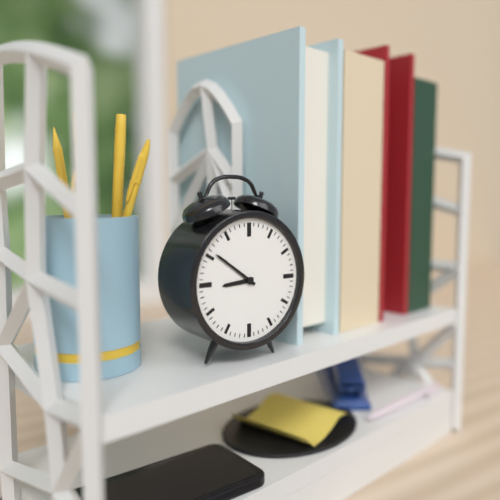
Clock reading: {"hour": 8, "minute": 51}
